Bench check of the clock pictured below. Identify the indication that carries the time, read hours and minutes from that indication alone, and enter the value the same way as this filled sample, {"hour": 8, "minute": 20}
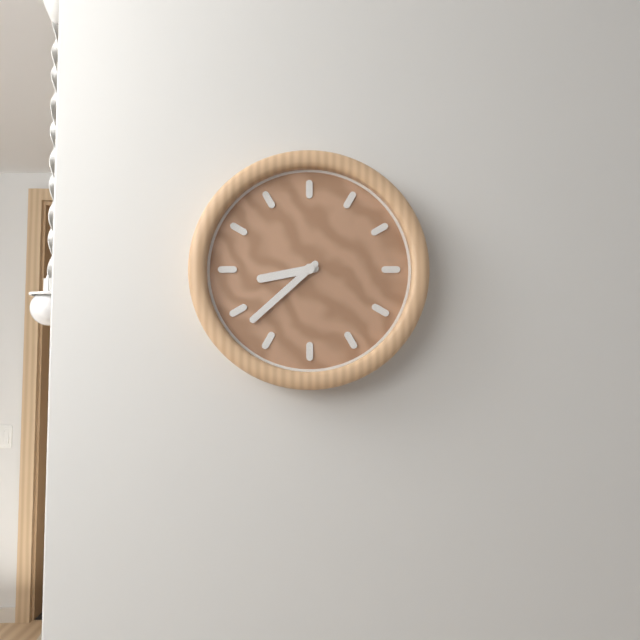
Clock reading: {"hour": 8, "minute": 38}
